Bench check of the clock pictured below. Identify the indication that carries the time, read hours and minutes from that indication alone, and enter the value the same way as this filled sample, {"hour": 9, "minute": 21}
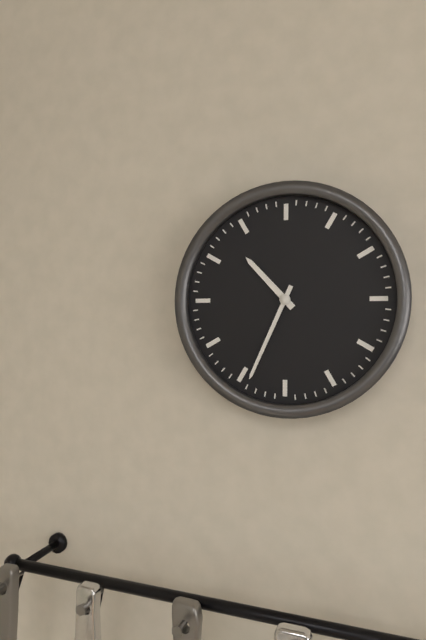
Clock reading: {"hour": 10, "minute": 34}
